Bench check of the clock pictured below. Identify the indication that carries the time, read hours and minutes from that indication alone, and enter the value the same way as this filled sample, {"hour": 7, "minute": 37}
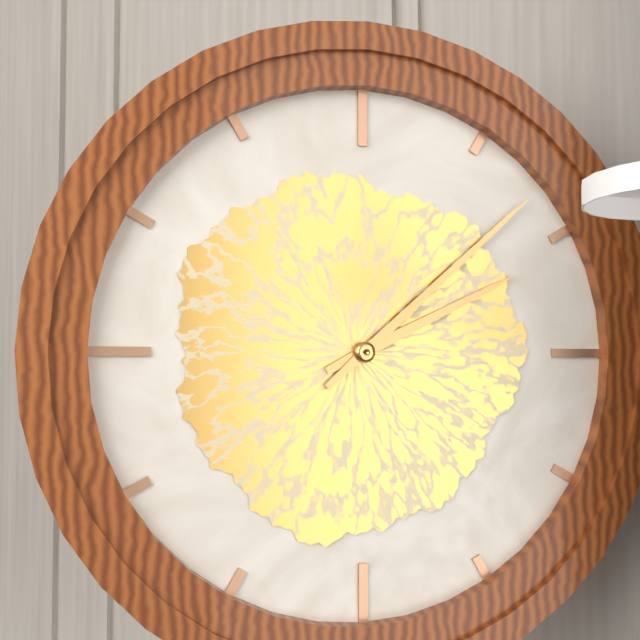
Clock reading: {"hour": 2, "minute": 8}
